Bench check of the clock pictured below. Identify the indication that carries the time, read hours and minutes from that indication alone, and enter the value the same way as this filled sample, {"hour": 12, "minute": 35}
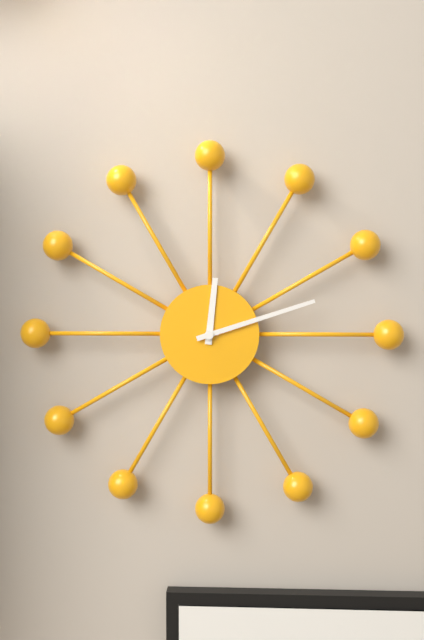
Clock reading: {"hour": 12, "minute": 12}
